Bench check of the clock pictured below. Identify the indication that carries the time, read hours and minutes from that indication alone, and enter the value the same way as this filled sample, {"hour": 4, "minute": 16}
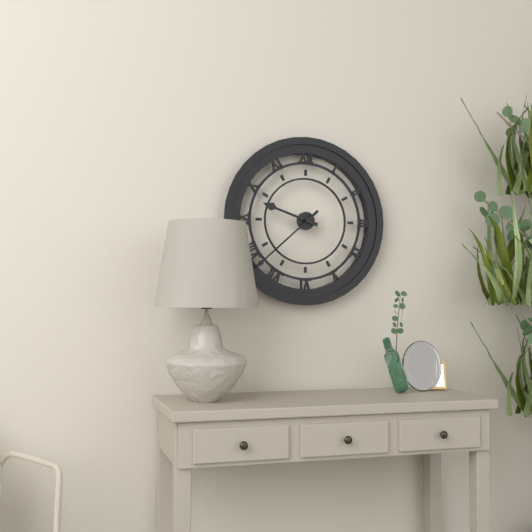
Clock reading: {"hour": 9, "minute": 38}
